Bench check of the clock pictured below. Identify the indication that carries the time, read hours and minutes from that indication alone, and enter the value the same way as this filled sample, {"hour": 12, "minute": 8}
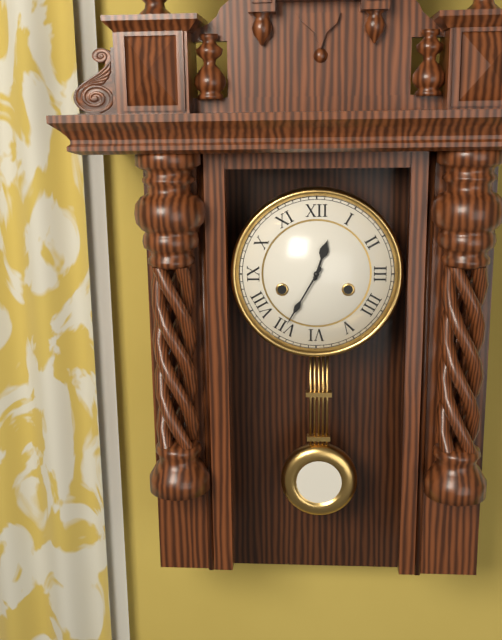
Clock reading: {"hour": 12, "minute": 35}
